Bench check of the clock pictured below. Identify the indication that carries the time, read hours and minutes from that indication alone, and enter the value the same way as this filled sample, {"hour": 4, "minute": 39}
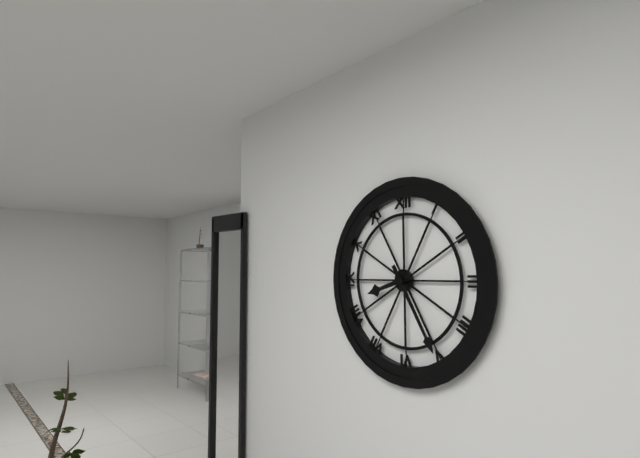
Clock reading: {"hour": 8, "minute": 25}
